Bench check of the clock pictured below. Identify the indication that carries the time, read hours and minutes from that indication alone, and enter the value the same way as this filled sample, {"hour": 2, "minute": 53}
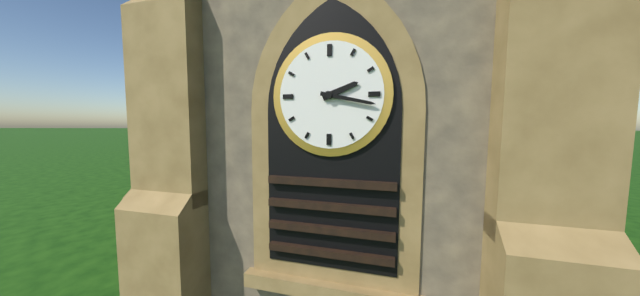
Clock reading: {"hour": 2, "minute": 17}
